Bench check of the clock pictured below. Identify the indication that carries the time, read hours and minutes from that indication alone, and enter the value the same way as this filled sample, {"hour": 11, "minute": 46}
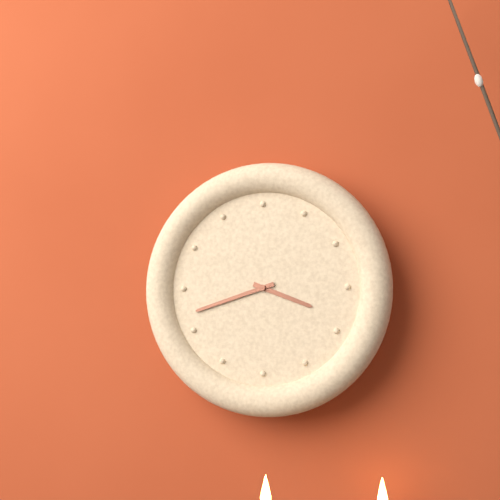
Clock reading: {"hour": 3, "minute": 42}
